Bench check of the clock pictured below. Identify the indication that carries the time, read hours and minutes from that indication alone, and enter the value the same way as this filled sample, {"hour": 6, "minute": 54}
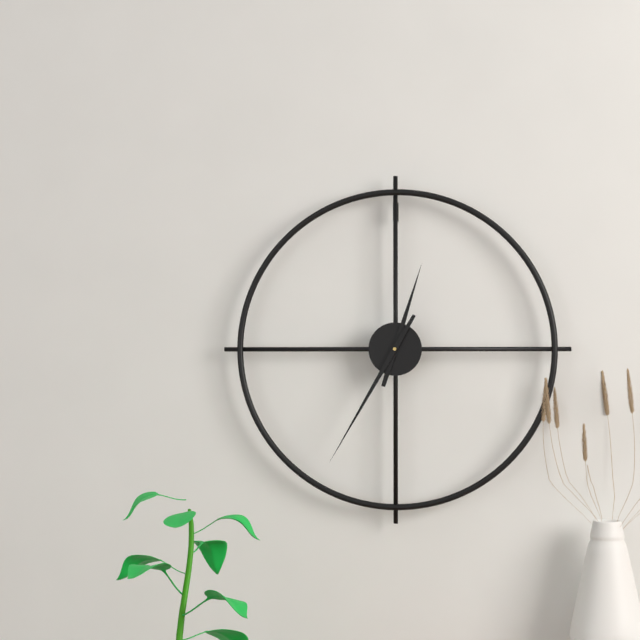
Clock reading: {"hour": 12, "minute": 35}
